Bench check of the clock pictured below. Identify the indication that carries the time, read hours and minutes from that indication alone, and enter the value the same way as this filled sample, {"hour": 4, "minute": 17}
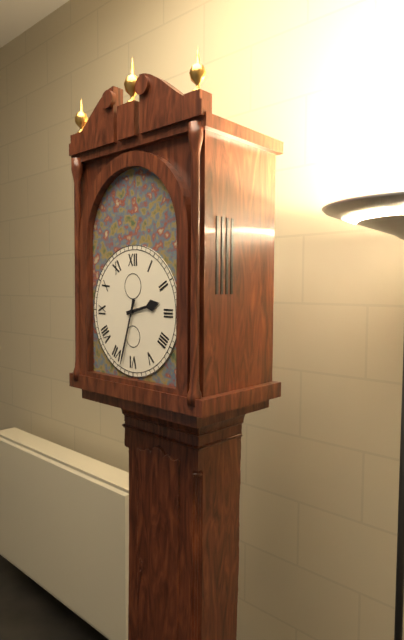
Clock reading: {"hour": 2, "minute": 33}
